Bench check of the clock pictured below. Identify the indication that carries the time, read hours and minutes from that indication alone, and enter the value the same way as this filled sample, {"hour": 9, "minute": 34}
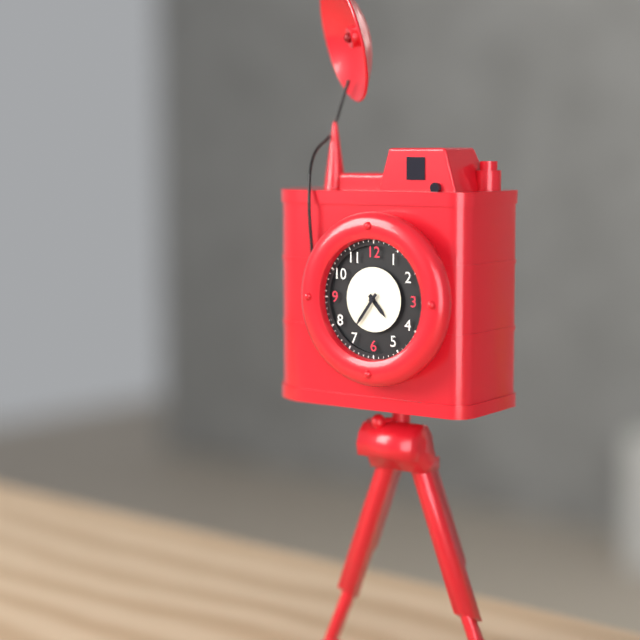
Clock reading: {"hour": 4, "minute": 36}
